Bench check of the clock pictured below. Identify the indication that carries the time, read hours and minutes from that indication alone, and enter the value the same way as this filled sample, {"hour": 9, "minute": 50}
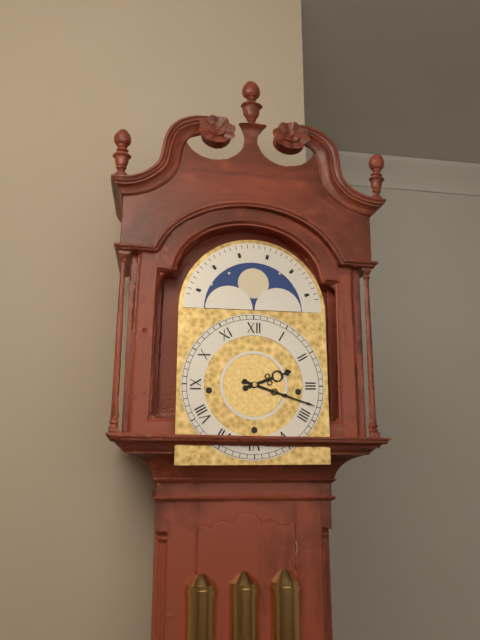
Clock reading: {"hour": 2, "minute": 18}
